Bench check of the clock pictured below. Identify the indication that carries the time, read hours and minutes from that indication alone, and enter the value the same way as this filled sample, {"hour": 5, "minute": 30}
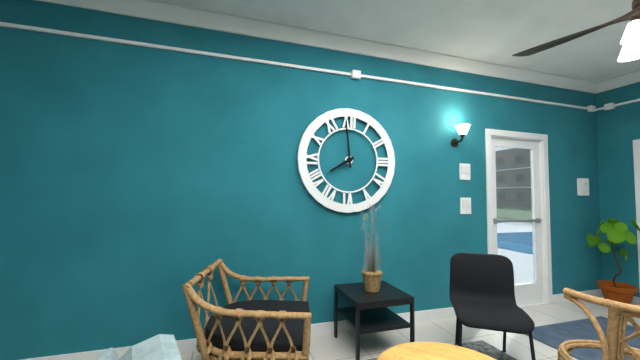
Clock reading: {"hour": 7, "minute": 59}
